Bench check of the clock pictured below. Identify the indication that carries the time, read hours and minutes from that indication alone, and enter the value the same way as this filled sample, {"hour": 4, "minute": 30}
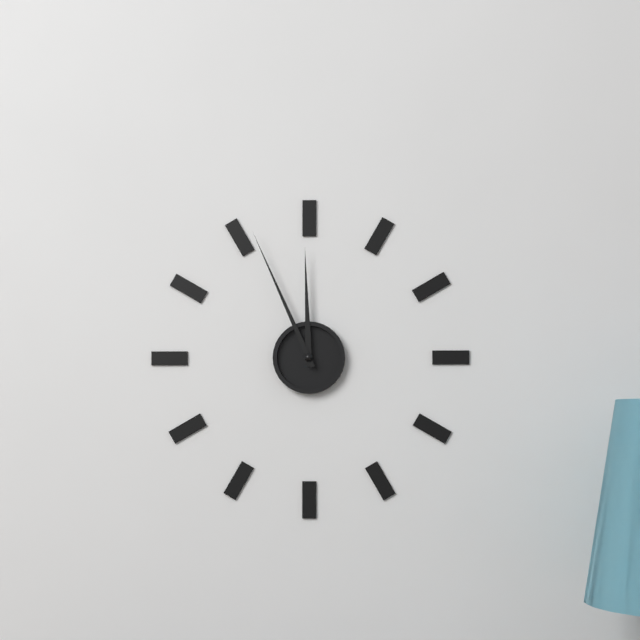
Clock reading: {"hour": 11, "minute": 56}
